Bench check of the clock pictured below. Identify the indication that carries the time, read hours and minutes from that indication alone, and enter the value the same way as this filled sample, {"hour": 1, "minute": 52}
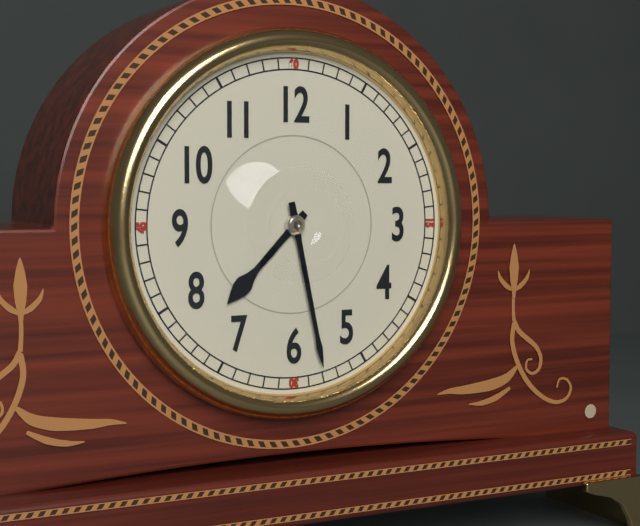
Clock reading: {"hour": 7, "minute": 28}
